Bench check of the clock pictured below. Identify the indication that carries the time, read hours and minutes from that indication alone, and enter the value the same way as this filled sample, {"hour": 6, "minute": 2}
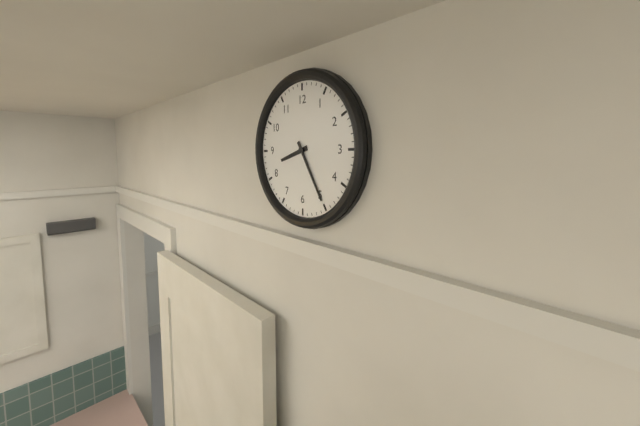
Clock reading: {"hour": 8, "minute": 25}
